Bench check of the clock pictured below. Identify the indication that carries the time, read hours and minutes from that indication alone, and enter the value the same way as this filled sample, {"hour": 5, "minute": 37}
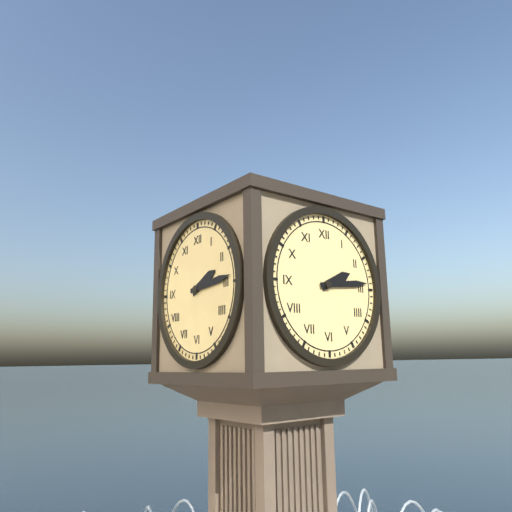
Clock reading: {"hour": 2, "minute": 14}
